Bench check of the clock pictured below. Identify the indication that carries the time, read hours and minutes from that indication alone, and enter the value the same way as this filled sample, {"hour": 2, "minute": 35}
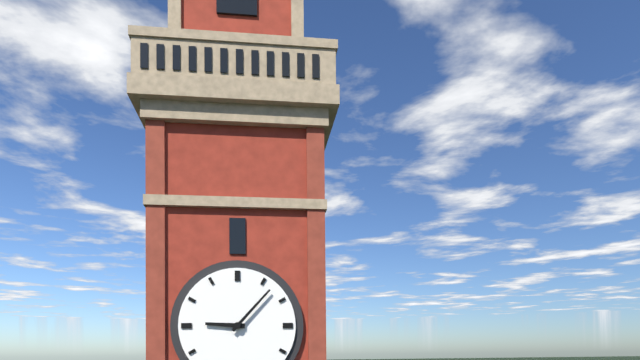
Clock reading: {"hour": 9, "minute": 7}
